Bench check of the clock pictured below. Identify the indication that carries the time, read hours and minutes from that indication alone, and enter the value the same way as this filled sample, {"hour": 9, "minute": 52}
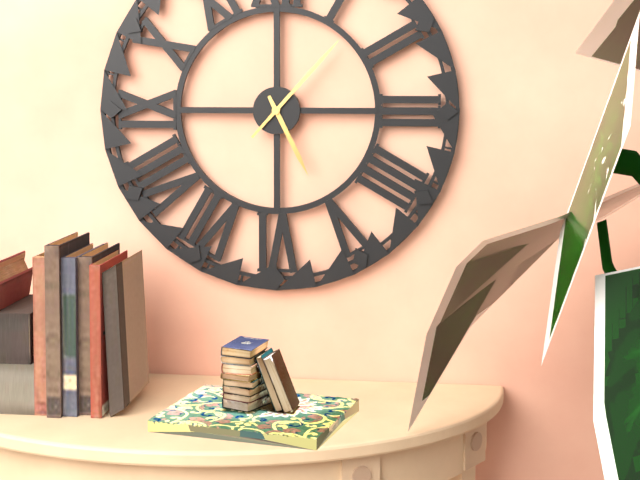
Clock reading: {"hour": 5, "minute": 7}
